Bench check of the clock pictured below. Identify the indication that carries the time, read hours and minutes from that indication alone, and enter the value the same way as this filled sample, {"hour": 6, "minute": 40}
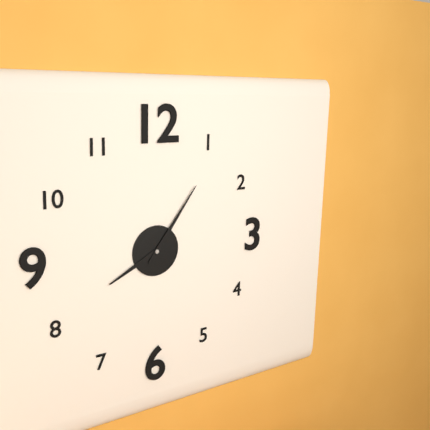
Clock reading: {"hour": 8, "minute": 6}
